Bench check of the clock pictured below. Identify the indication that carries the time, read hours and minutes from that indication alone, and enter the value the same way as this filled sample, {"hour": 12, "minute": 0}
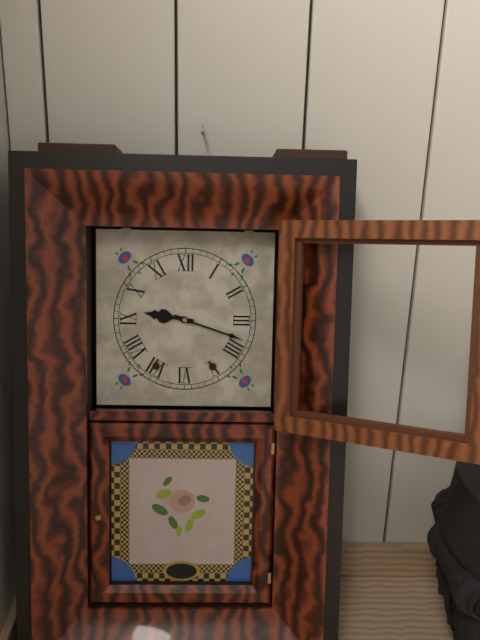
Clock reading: {"hour": 9, "minute": 18}
